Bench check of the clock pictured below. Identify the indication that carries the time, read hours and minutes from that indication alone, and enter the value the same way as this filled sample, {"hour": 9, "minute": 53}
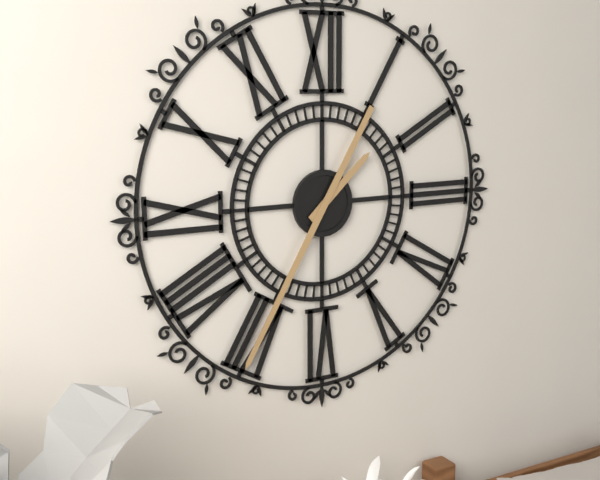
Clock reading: {"hour": 1, "minute": 35}
